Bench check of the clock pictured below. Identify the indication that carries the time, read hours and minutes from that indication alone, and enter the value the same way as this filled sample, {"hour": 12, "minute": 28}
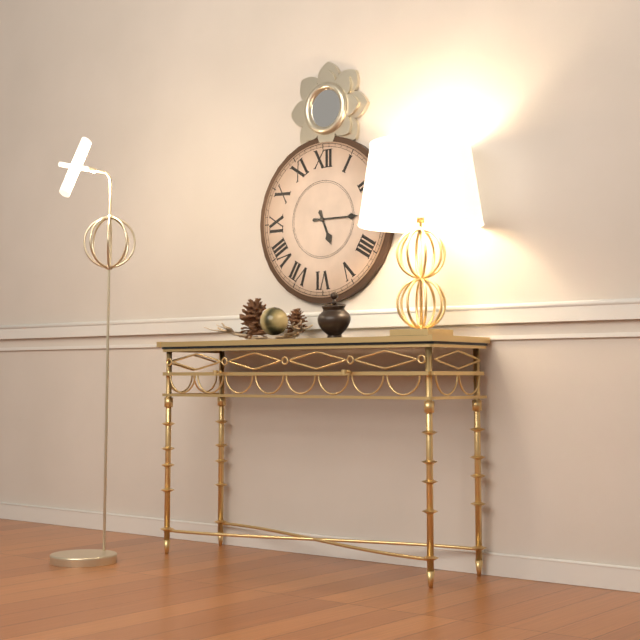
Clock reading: {"hour": 5, "minute": 15}
